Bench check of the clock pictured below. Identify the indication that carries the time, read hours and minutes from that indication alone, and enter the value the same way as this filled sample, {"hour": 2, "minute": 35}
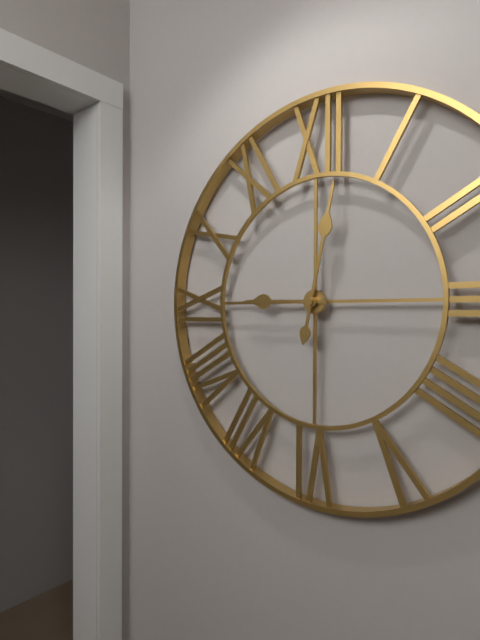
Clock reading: {"hour": 9, "minute": 2}
